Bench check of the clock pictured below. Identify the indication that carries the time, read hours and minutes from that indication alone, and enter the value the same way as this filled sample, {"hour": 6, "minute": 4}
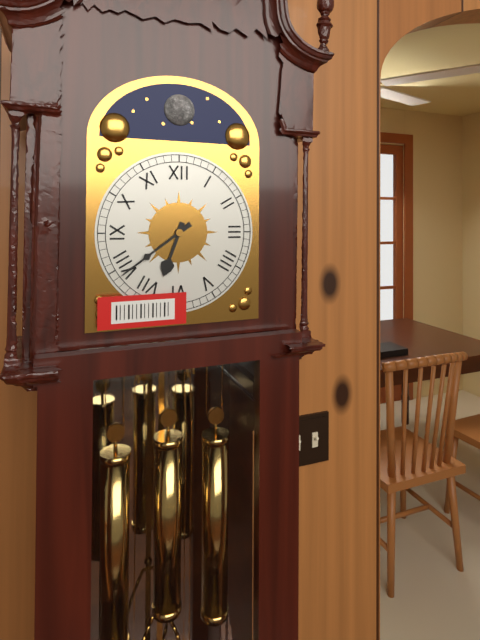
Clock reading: {"hour": 6, "minute": 39}
